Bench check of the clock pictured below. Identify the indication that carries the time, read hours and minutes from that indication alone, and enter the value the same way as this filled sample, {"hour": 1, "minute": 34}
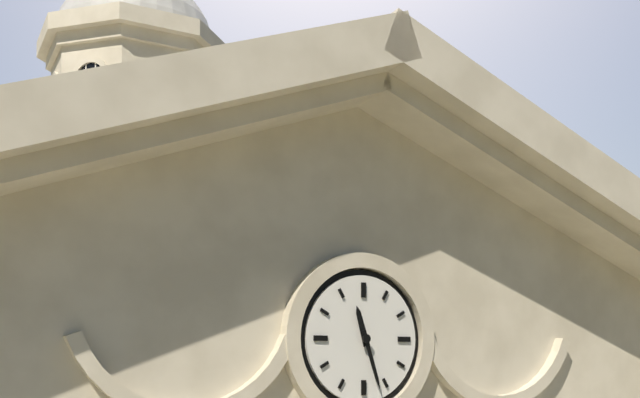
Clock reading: {"hour": 11, "minute": 27}
